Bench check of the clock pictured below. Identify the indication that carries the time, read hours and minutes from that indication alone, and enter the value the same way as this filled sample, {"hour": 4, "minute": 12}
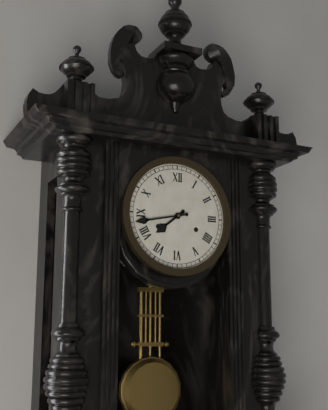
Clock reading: {"hour": 7, "minute": 43}
